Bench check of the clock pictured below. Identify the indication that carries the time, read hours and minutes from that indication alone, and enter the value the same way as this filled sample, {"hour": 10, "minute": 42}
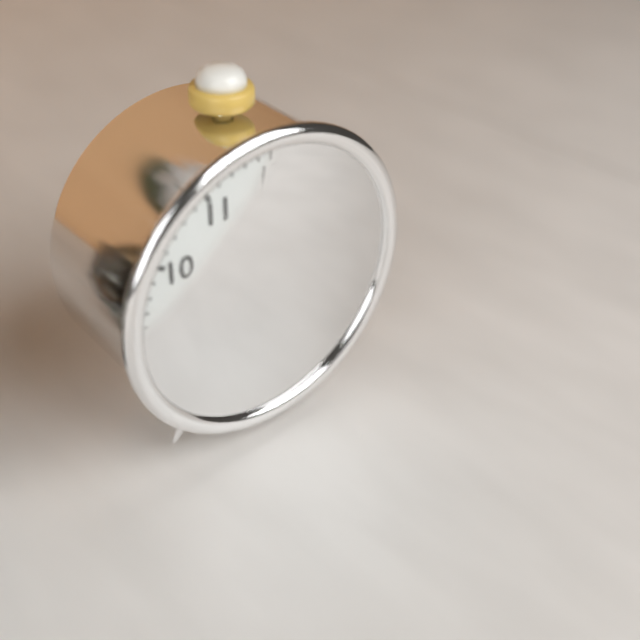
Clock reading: {"hour": 2, "minute": 59}
